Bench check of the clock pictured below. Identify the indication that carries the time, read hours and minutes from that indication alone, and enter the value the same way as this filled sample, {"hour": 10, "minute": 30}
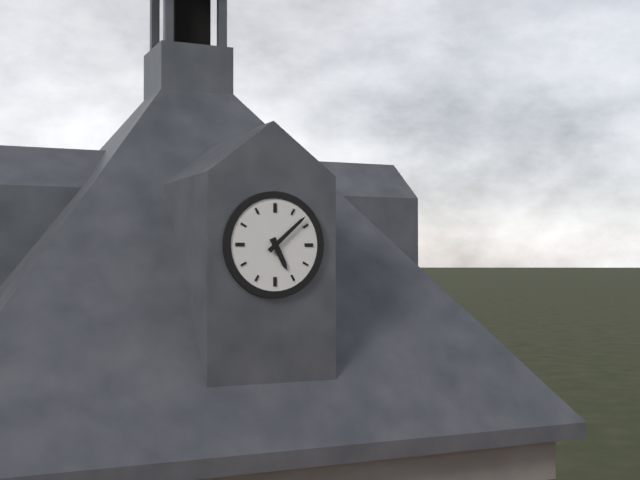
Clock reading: {"hour": 5, "minute": 8}
